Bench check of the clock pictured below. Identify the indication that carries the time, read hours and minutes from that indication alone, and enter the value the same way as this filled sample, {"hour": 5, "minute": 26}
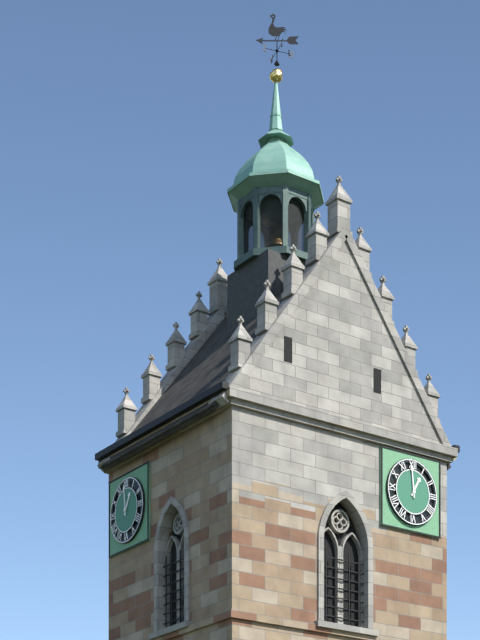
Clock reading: {"hour": 12, "minute": 59}
